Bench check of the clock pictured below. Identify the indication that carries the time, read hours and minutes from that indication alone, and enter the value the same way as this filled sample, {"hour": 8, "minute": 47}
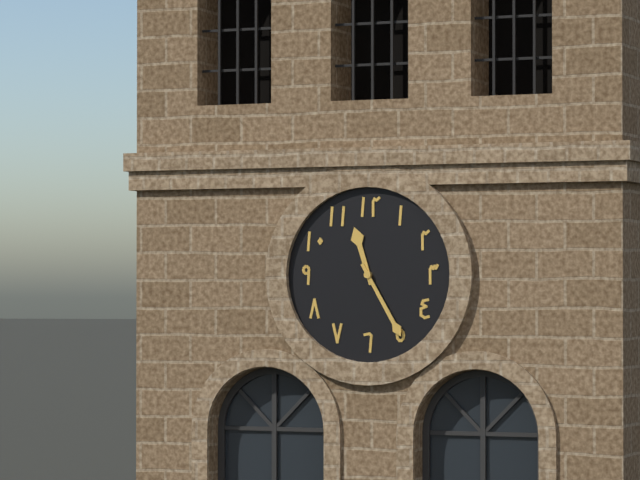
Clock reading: {"hour": 11, "minute": 25}
